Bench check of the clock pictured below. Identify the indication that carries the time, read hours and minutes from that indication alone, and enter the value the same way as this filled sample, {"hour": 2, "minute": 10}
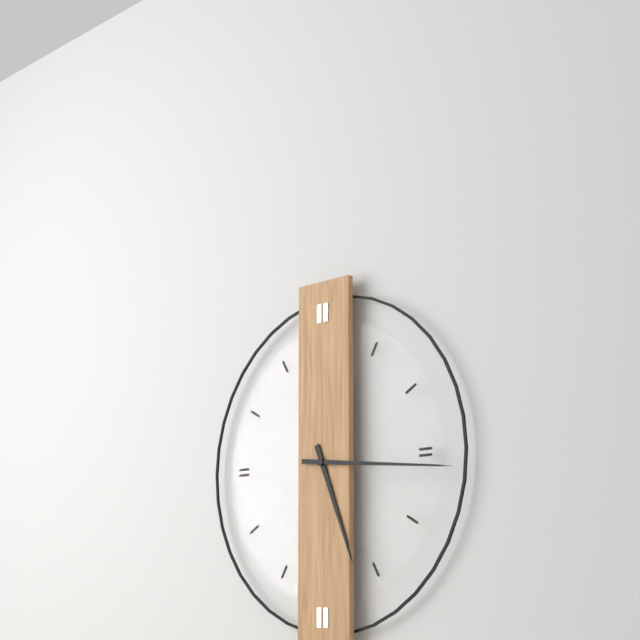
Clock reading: {"hour": 5, "minute": 16}
